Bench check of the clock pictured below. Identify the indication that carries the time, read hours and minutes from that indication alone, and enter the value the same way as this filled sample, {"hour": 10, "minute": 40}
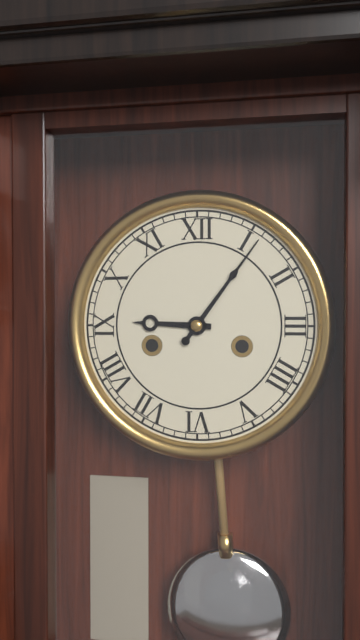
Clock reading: {"hour": 9, "minute": 6}
